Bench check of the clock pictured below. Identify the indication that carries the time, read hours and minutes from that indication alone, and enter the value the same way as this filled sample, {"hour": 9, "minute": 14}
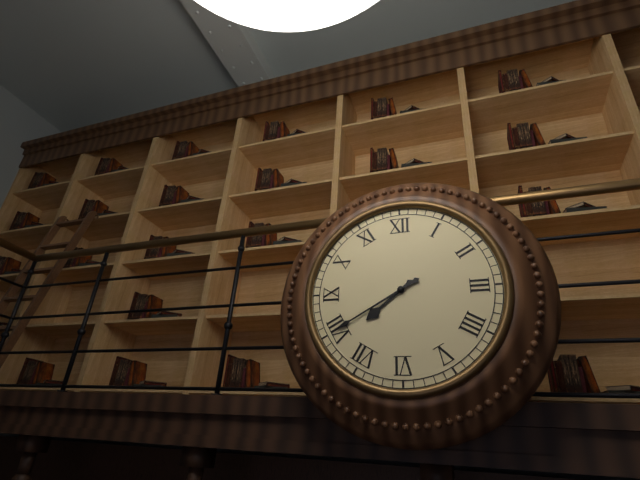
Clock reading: {"hour": 7, "minute": 40}
